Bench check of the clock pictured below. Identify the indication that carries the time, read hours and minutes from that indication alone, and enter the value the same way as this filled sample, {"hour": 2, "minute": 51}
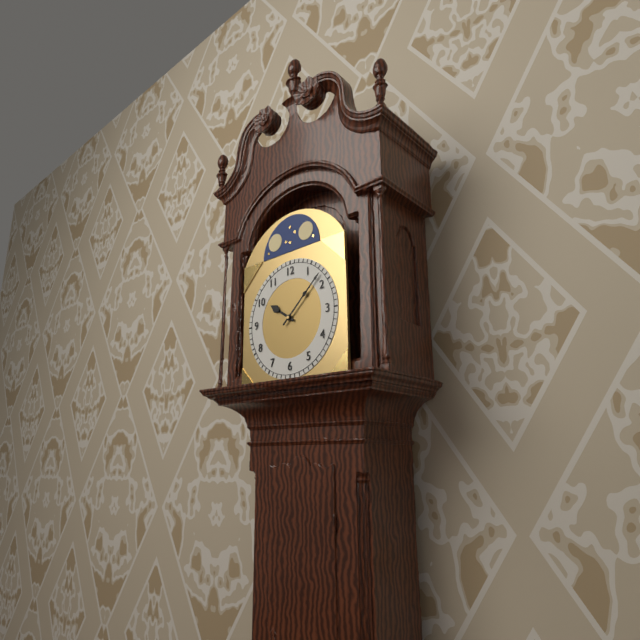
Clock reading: {"hour": 10, "minute": 8}
